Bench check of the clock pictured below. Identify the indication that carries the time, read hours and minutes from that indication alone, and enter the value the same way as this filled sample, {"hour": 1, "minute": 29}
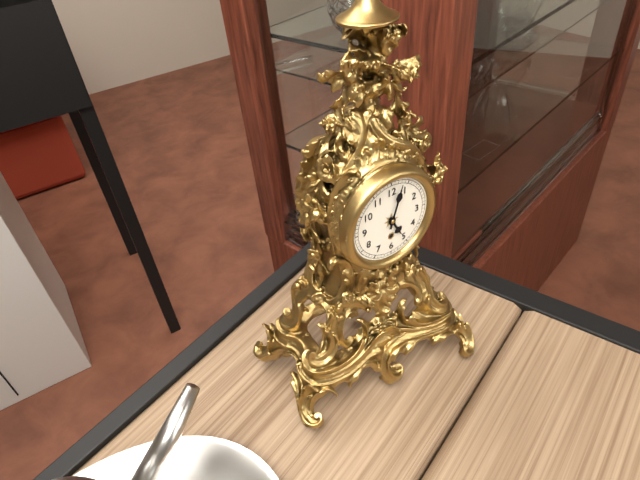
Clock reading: {"hour": 5, "minute": 3}
